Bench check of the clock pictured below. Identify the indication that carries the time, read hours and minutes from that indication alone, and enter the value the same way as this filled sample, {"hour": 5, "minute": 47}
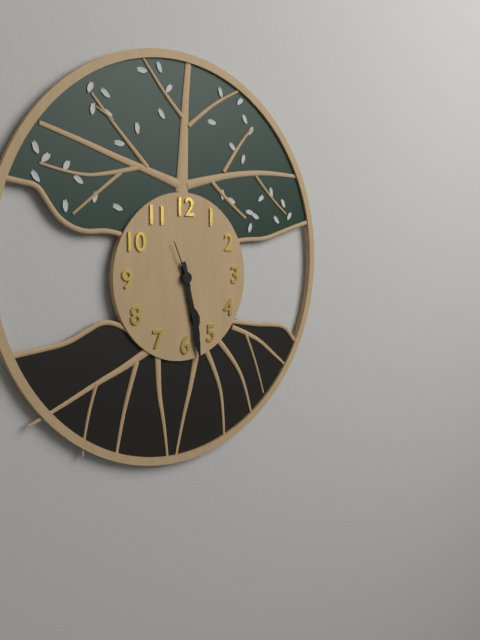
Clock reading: {"hour": 5, "minute": 28}
